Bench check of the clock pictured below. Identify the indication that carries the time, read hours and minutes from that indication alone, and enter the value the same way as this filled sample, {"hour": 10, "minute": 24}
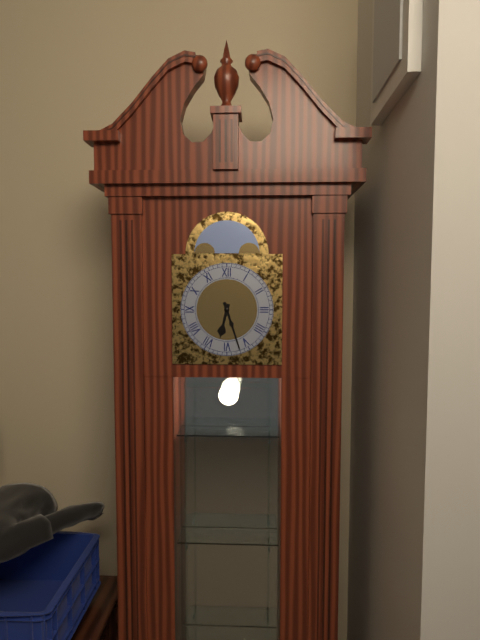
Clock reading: {"hour": 6, "minute": 27}
